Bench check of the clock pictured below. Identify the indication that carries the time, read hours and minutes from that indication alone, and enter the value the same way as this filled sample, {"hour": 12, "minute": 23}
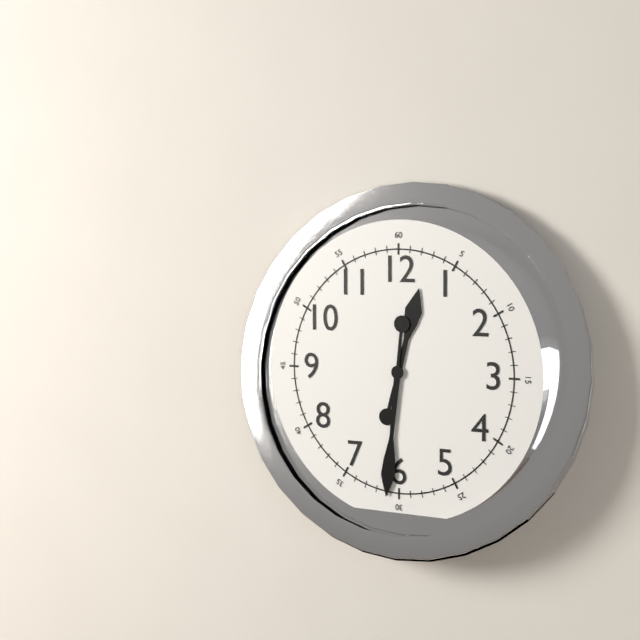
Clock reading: {"hour": 12, "minute": 31}
